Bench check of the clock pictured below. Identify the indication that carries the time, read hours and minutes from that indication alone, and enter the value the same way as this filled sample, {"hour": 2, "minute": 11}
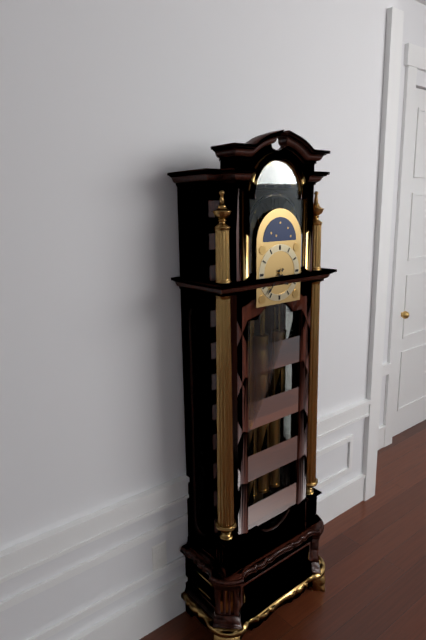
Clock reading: {"hour": 4, "minute": 37}
